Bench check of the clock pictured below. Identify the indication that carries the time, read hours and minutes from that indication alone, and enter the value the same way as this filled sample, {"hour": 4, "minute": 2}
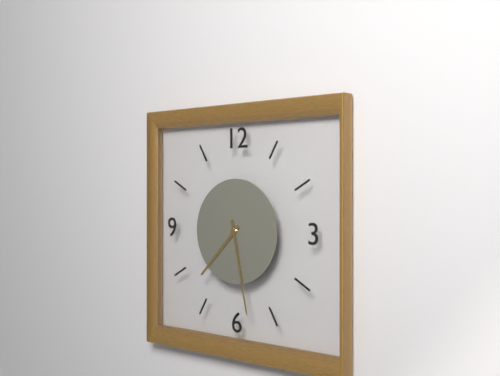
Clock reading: {"hour": 7, "minute": 28}
